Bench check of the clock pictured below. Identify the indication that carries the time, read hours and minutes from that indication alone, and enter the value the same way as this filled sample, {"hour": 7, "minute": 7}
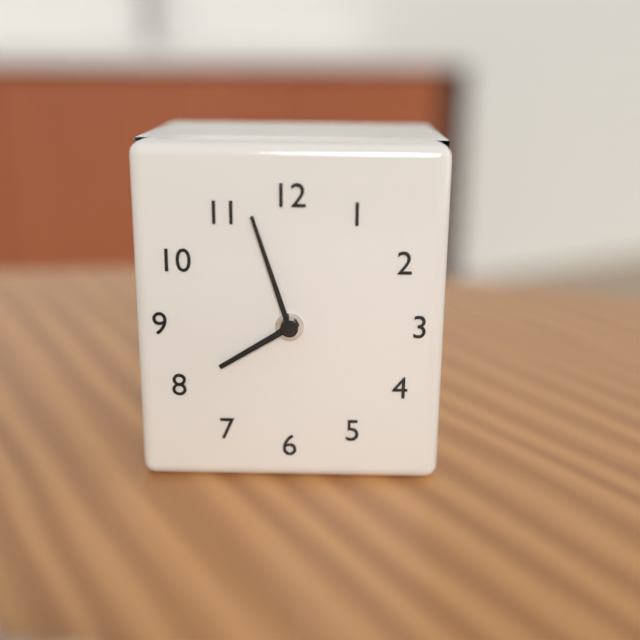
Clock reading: {"hour": 7, "minute": 57}
